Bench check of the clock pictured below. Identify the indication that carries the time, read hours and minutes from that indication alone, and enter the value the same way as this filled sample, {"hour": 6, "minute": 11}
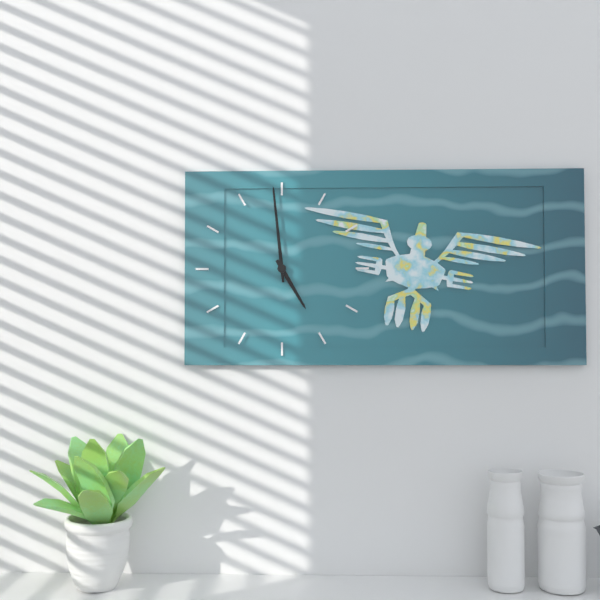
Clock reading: {"hour": 4, "minute": 59}
